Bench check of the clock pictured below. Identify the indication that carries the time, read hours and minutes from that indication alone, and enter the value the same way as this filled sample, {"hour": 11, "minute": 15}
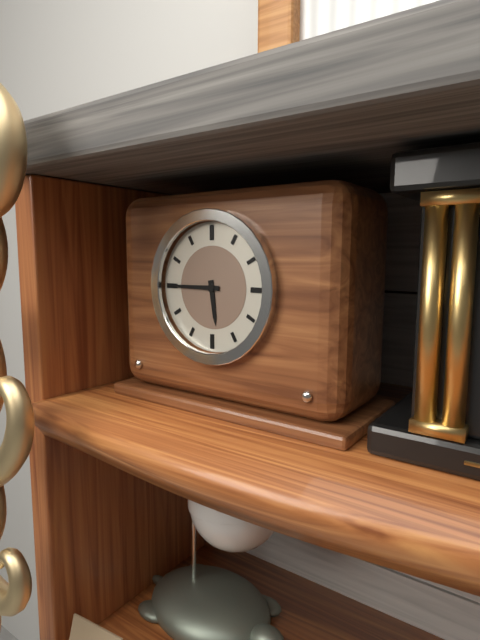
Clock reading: {"hour": 5, "minute": 45}
